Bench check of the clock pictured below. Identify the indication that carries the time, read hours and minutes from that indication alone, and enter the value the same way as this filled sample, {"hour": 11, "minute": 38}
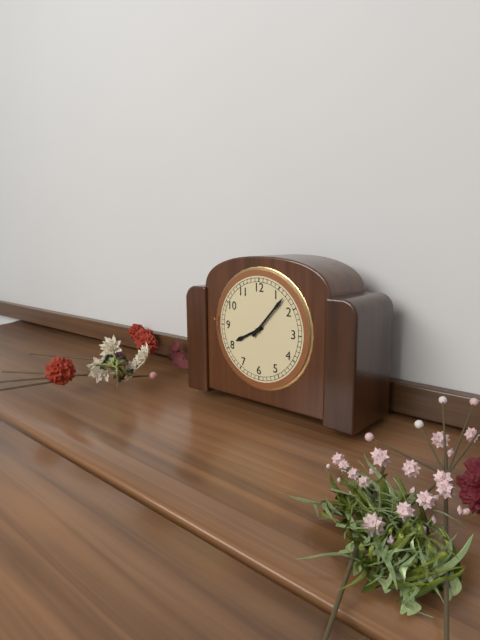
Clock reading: {"hour": 8, "minute": 7}
